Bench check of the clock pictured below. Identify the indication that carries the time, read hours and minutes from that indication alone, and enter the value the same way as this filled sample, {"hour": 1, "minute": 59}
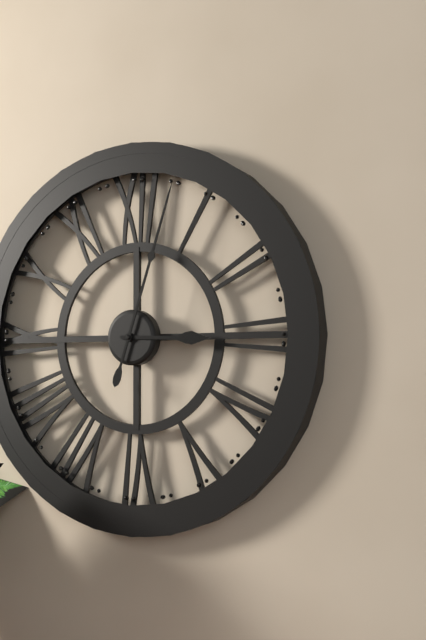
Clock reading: {"hour": 3, "minute": 3}
